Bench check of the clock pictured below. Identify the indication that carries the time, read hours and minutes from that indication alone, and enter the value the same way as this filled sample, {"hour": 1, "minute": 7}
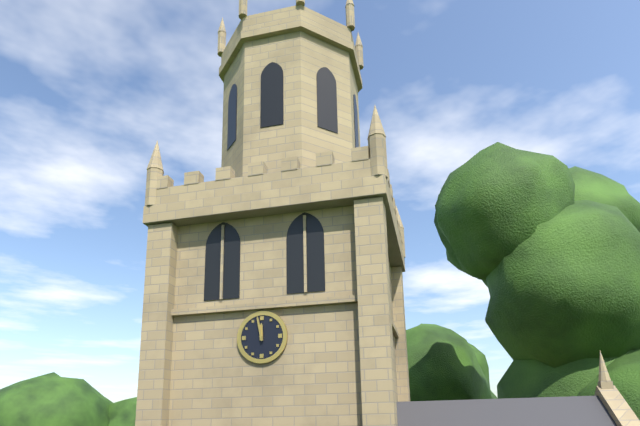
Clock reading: {"hour": 11, "minute": 58}
